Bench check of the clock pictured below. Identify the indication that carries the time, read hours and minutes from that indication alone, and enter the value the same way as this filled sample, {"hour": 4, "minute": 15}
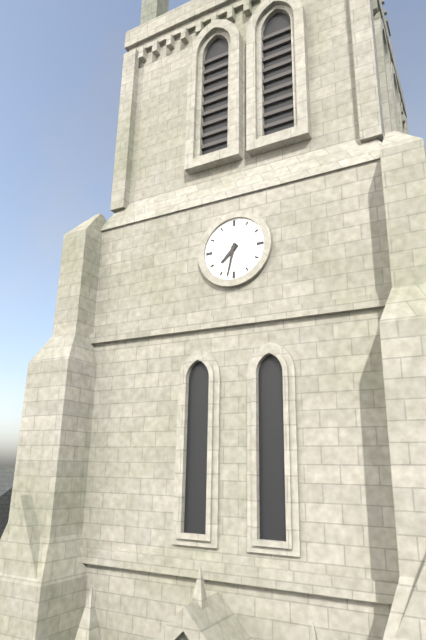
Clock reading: {"hour": 7, "minute": 32}
